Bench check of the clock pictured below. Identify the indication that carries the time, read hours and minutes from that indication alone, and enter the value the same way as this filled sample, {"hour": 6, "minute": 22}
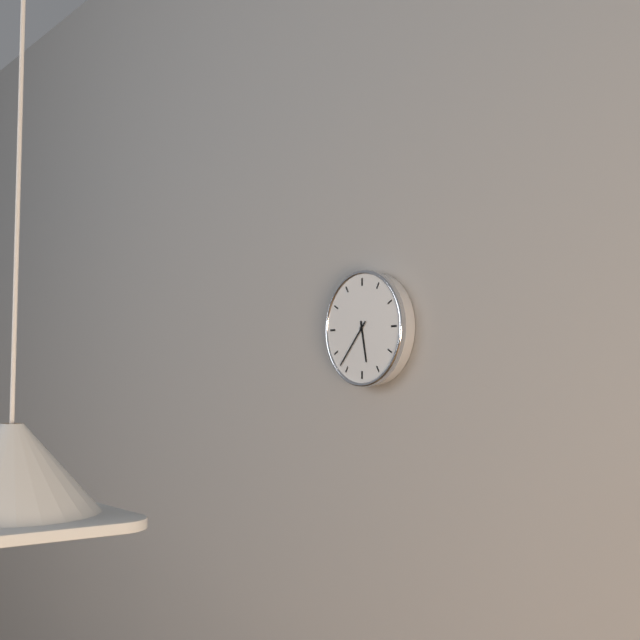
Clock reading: {"hour": 5, "minute": 37}
